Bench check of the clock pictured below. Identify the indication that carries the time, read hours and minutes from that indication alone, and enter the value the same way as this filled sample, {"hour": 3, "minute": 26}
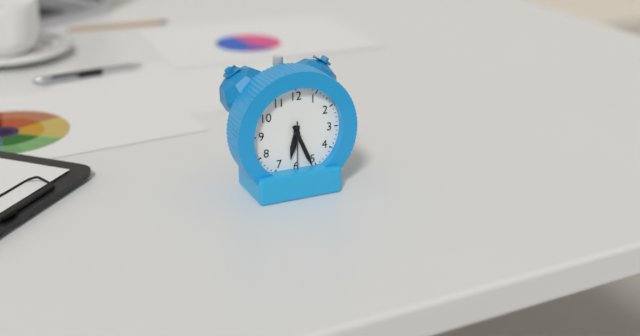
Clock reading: {"hour": 6, "minute": 26}
